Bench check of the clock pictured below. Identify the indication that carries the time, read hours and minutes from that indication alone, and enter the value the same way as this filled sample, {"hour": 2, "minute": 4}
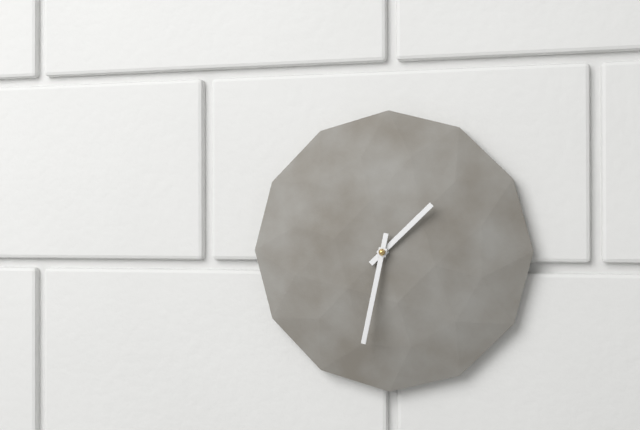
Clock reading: {"hour": 1, "minute": 32}
